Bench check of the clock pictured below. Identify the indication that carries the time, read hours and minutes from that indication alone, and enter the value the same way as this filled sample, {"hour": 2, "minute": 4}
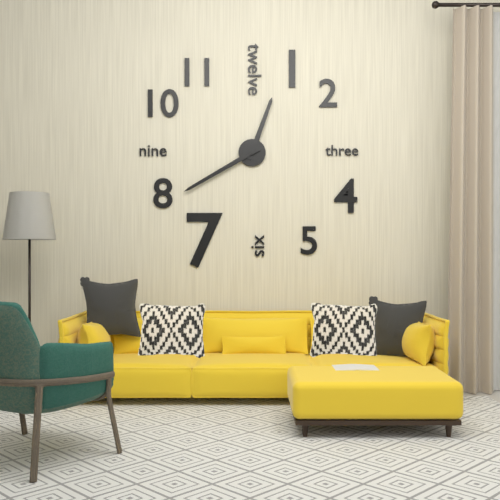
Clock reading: {"hour": 12, "minute": 40}
